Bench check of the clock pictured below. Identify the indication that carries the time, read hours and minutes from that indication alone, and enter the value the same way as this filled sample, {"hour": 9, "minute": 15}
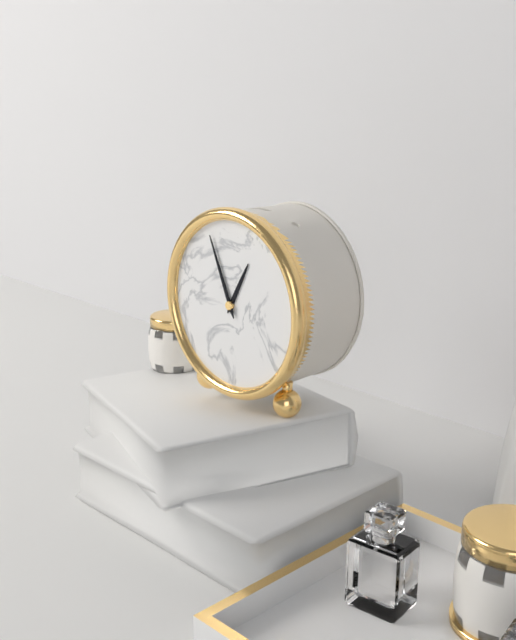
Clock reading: {"hour": 12, "minute": 56}
